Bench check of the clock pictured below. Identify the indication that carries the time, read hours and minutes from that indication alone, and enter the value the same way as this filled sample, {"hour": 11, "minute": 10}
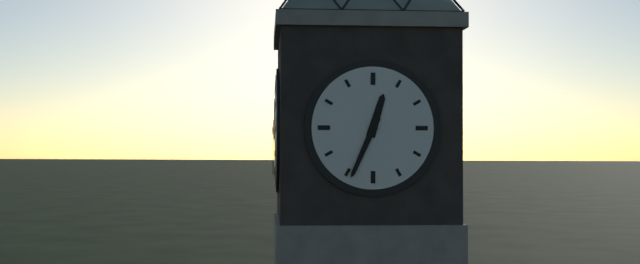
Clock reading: {"hour": 12, "minute": 34}
